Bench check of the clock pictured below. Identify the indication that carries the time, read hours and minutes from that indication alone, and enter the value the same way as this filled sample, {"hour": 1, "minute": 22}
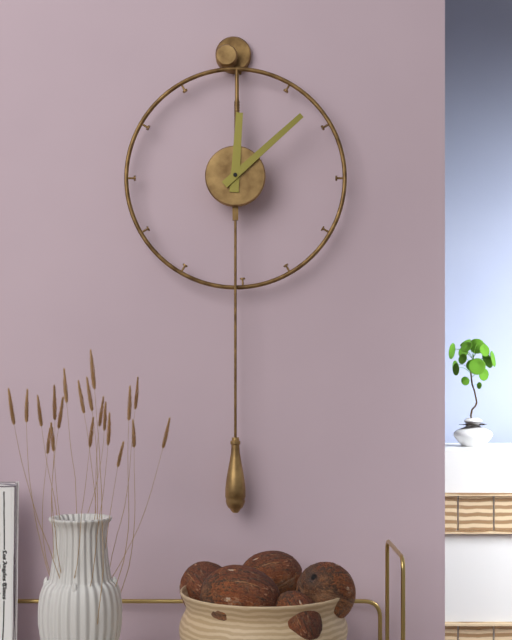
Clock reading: {"hour": 12, "minute": 8}
